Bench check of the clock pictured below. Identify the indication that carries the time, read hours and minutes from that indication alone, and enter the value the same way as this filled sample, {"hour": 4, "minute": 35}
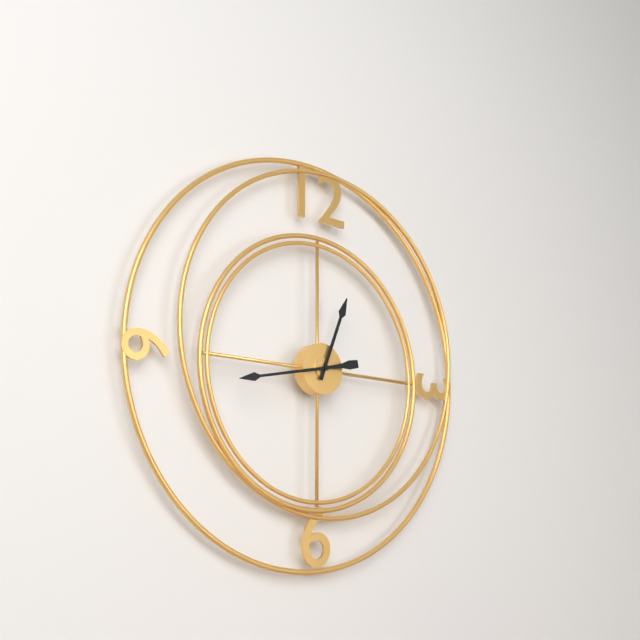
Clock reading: {"hour": 12, "minute": 43}
